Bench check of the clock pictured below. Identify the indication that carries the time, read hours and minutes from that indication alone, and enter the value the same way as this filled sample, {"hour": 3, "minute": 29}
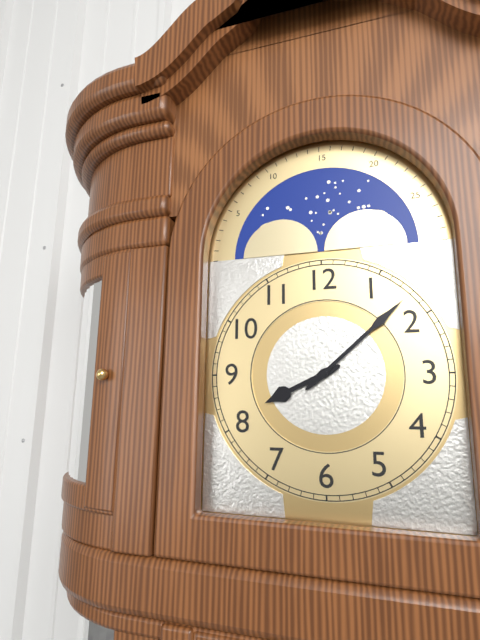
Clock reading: {"hour": 8, "minute": 8}
